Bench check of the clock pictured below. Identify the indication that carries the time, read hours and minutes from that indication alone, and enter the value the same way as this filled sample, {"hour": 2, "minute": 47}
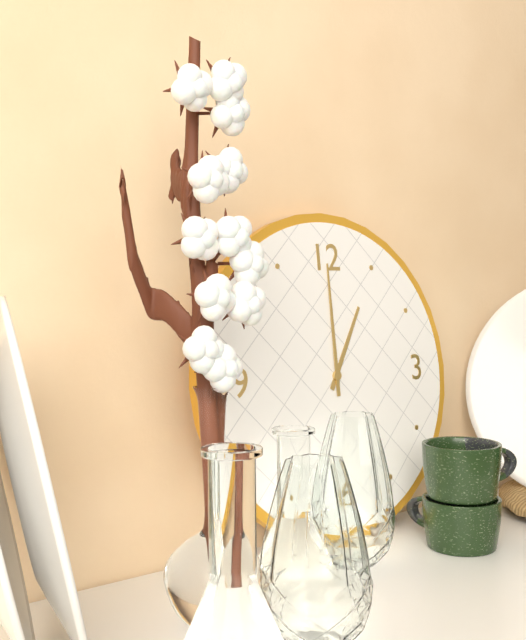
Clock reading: {"hour": 1, "minute": 0}
